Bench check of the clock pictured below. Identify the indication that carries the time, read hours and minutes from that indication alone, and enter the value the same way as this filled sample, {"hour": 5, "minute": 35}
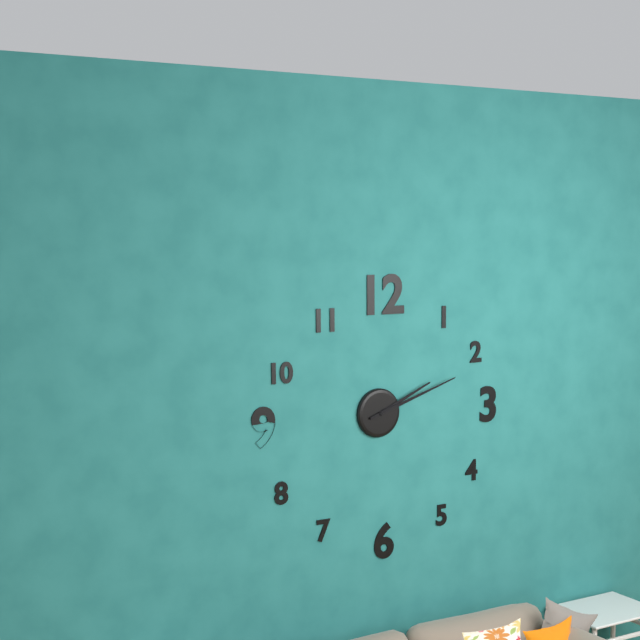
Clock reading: {"hour": 2, "minute": 12}
